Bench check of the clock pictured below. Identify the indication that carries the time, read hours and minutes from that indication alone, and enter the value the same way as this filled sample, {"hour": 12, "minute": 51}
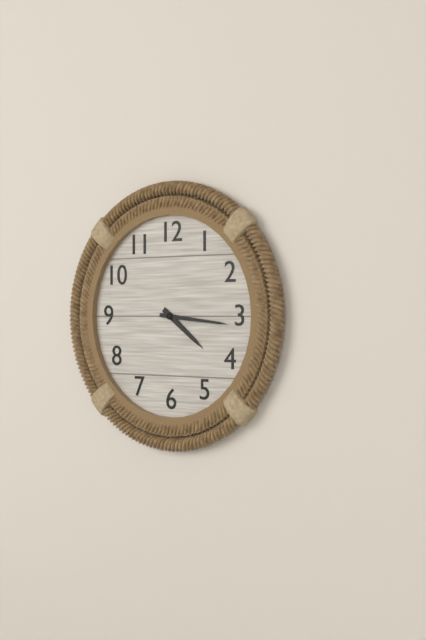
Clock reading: {"hour": 4, "minute": 16}
